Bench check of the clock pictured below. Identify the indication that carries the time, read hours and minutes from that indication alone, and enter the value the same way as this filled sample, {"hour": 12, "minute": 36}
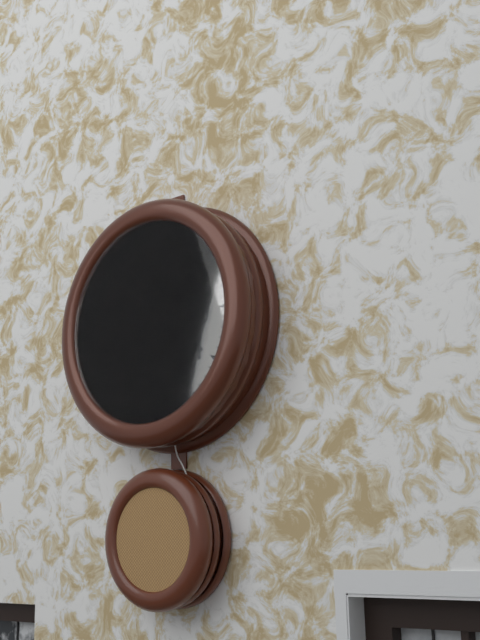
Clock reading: {"hour": 4, "minute": 23}
